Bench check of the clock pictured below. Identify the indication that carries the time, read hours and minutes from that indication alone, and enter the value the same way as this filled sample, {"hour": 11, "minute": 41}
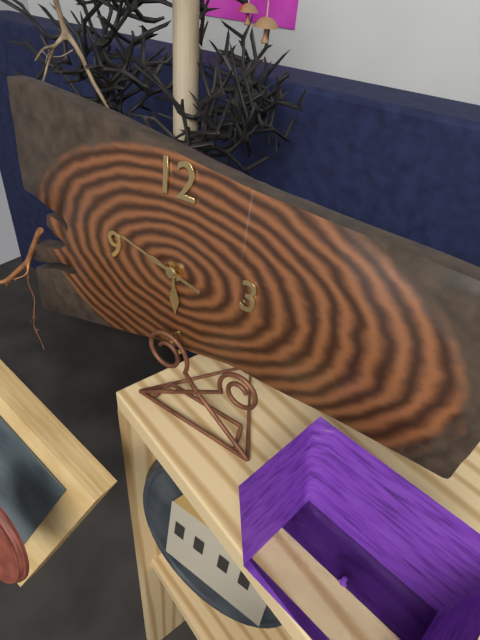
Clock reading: {"hour": 5, "minute": 47}
